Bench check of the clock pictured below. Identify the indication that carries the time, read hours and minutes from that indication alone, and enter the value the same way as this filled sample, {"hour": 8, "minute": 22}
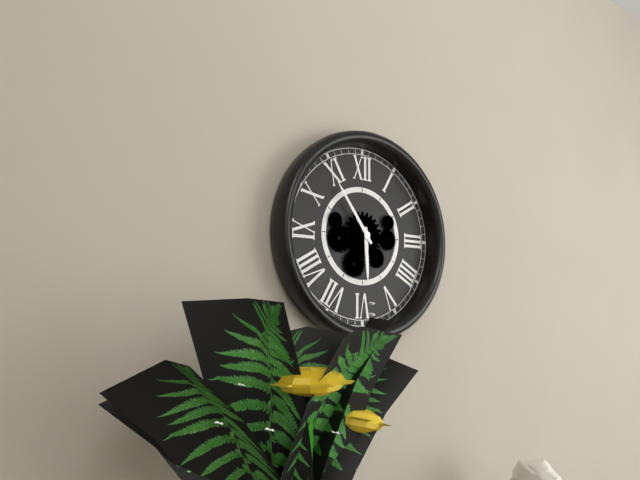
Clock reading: {"hour": 5, "minute": 54}
